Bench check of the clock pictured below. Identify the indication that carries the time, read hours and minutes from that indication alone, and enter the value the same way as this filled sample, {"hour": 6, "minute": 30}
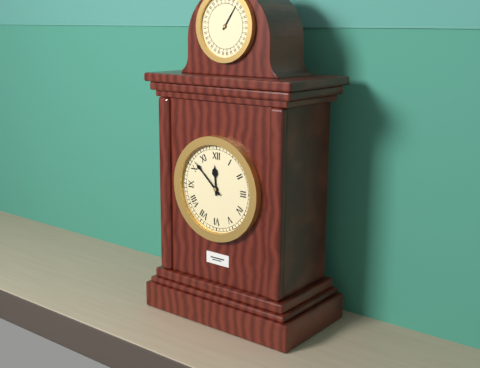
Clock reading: {"hour": 11, "minute": 52}
